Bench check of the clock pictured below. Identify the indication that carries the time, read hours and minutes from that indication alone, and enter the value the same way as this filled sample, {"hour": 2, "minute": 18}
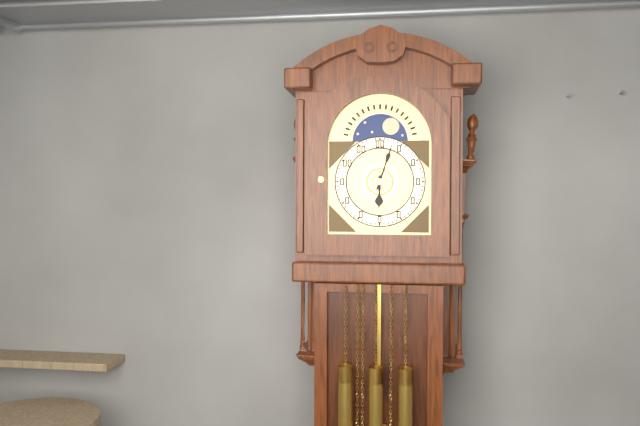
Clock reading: {"hour": 6, "minute": 3}
